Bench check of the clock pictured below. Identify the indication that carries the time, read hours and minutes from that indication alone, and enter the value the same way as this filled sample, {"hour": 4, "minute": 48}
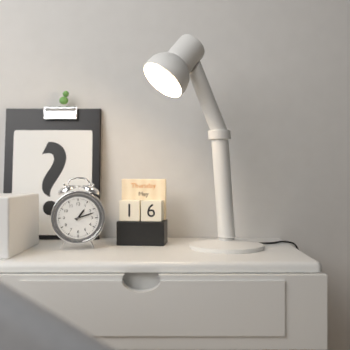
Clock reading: {"hour": 1, "minute": 12}
